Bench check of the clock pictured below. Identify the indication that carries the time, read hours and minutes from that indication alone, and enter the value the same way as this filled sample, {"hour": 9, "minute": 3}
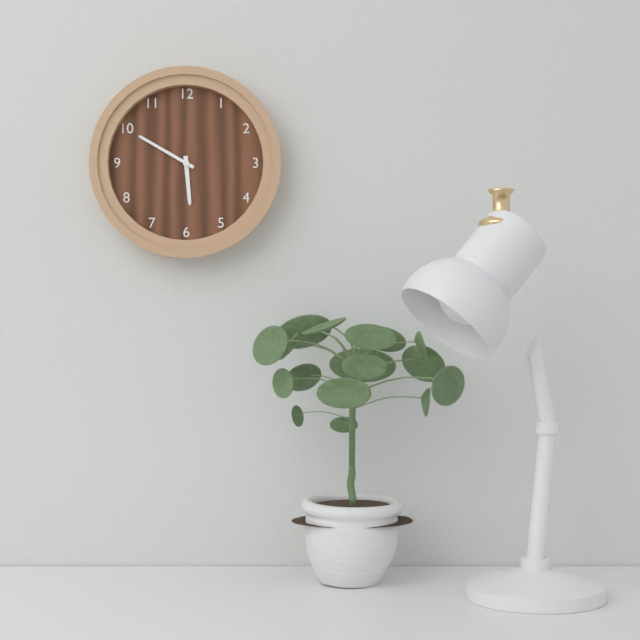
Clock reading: {"hour": 5, "minute": 50}
